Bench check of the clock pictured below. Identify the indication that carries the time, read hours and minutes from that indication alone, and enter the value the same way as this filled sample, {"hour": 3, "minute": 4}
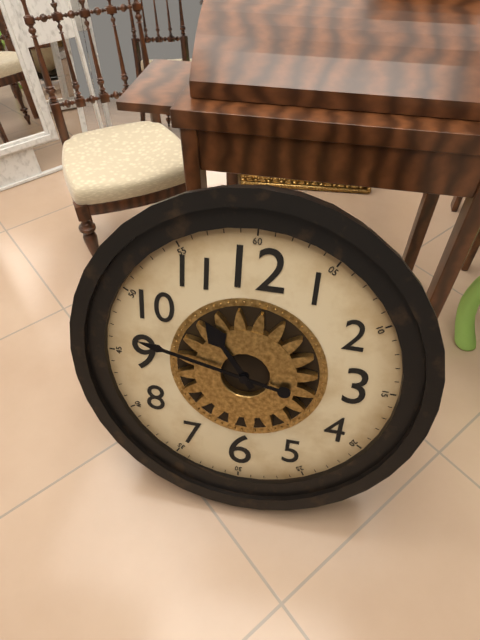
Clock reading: {"hour": 10, "minute": 47}
